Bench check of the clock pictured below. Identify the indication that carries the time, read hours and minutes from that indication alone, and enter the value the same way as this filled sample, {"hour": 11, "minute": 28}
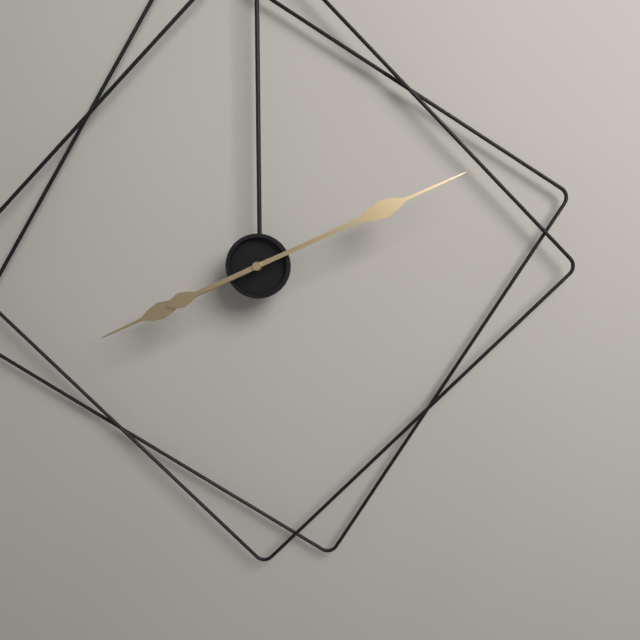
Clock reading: {"hour": 8, "minute": 11}
